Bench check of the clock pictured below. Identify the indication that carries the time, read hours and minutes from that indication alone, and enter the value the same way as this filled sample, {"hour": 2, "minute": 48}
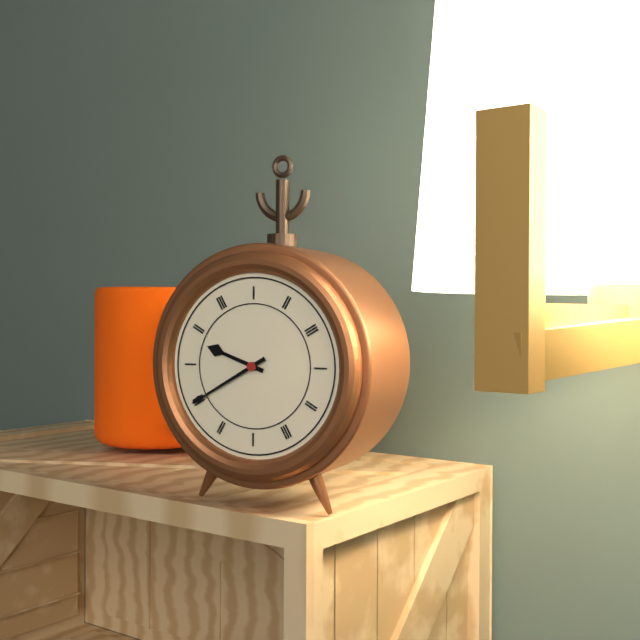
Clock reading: {"hour": 9, "minute": 40}
